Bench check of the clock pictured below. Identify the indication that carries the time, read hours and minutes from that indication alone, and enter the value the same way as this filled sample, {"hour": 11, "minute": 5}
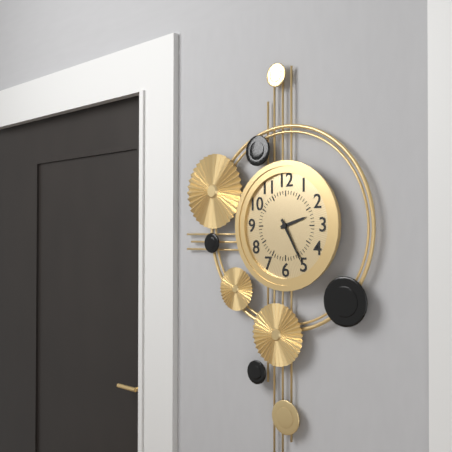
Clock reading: {"hour": 2, "minute": 25}
